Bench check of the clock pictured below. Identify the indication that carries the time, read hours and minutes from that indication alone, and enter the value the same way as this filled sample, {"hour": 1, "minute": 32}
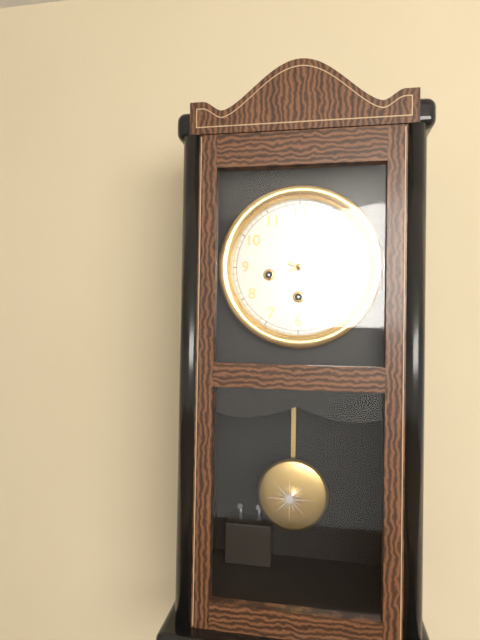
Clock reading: {"hour": 2, "minute": 19}
